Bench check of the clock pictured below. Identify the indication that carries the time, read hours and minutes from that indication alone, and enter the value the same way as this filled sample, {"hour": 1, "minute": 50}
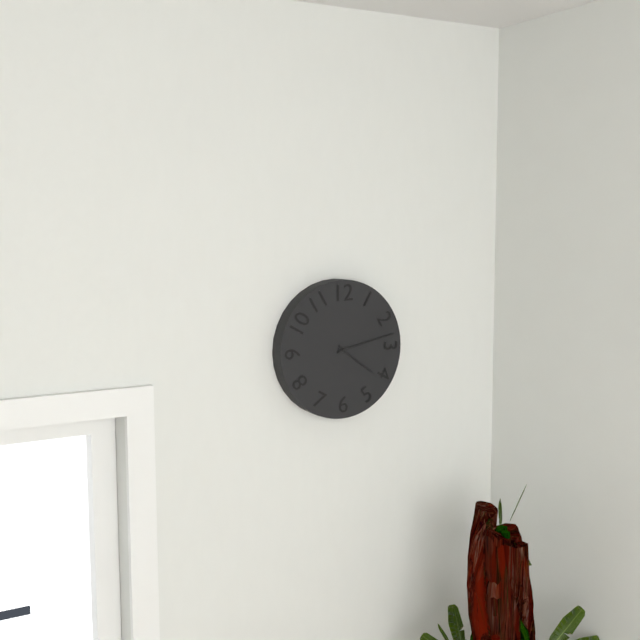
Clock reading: {"hour": 4, "minute": 13}
